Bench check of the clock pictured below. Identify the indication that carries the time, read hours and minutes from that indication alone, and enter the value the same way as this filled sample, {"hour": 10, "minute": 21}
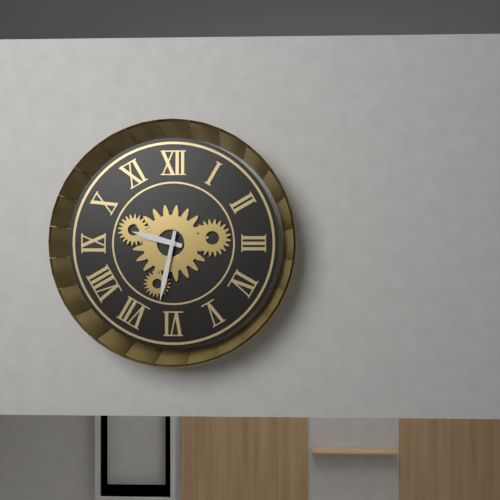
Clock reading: {"hour": 9, "minute": 32}
